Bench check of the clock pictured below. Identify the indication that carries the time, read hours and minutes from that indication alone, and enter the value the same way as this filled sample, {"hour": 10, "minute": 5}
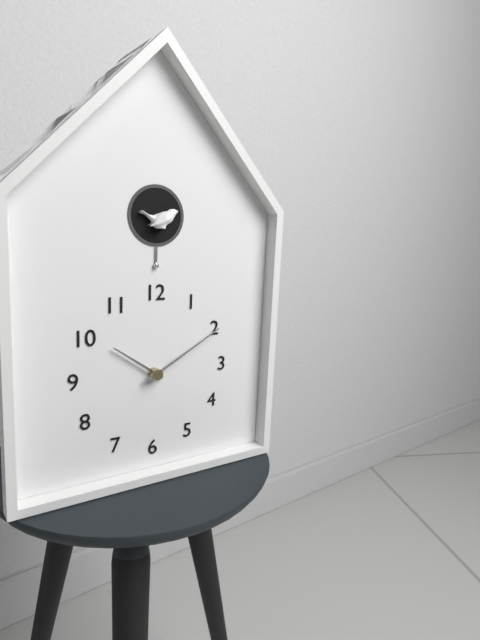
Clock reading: {"hour": 10, "minute": 10}
